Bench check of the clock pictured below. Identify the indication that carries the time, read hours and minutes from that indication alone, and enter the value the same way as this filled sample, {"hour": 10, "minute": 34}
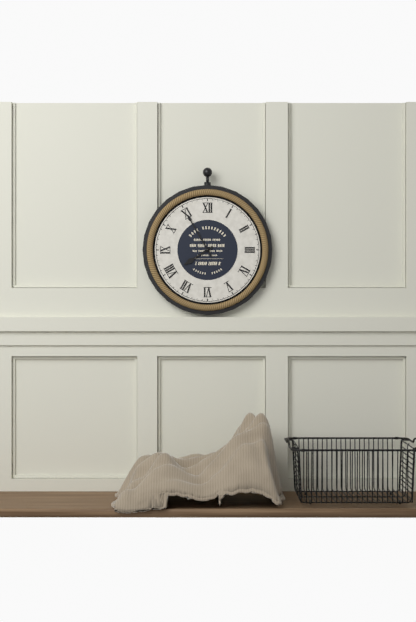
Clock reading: {"hour": 7, "minute": 55}
